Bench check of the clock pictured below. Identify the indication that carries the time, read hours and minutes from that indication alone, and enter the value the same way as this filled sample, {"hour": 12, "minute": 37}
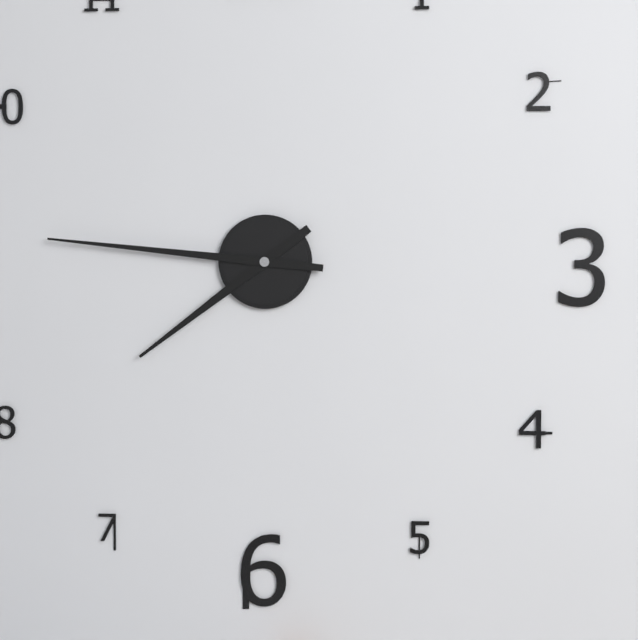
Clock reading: {"hour": 7, "minute": 46}
